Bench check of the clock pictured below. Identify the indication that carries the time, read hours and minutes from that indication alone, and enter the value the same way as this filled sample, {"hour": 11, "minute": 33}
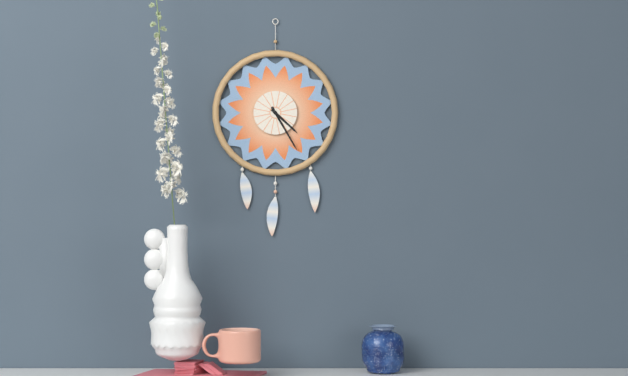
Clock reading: {"hour": 4, "minute": 25}
